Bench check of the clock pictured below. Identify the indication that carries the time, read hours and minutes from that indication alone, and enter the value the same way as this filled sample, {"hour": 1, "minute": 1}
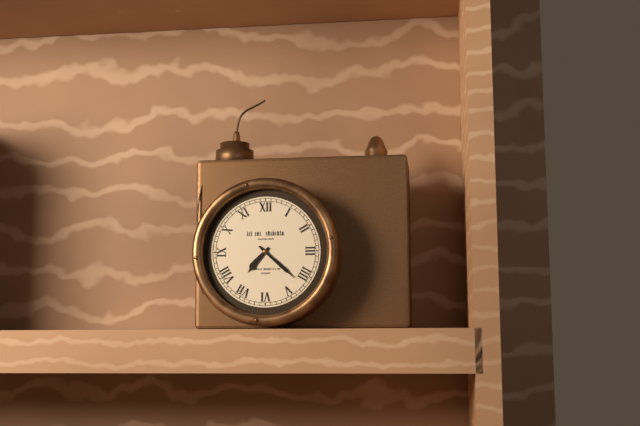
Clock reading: {"hour": 7, "minute": 22}
